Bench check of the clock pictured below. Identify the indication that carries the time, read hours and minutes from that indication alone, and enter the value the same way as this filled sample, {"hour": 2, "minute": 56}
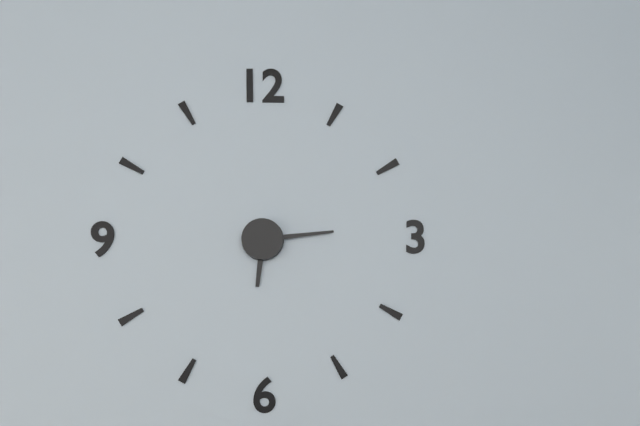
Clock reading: {"hour": 6, "minute": 14}
